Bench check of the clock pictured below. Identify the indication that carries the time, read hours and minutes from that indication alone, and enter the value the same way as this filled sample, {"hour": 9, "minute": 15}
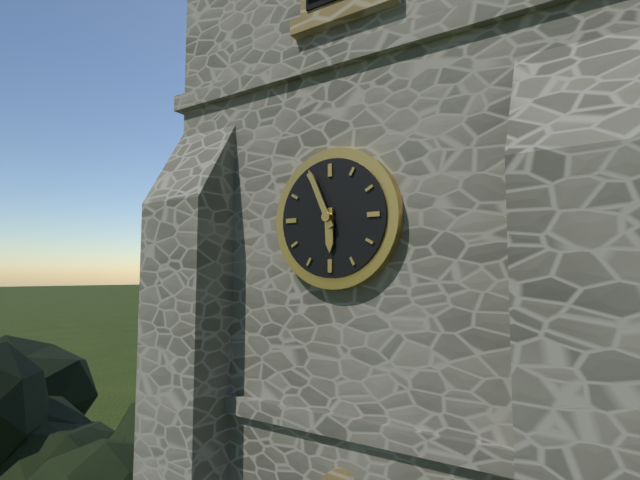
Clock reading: {"hour": 5, "minute": 56}
